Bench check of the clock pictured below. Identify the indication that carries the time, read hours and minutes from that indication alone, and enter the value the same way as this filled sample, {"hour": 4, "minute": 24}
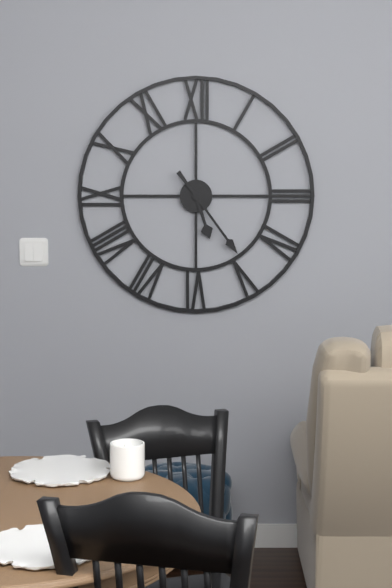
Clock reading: {"hour": 5, "minute": 24}
